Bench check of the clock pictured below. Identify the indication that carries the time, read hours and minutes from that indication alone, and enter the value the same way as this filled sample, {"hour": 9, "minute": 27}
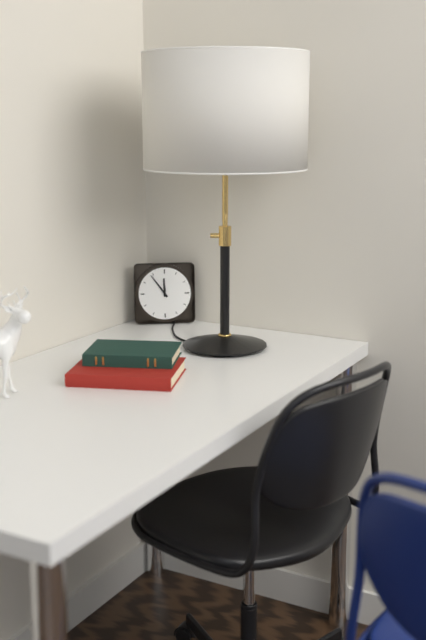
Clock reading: {"hour": 11, "minute": 54}
